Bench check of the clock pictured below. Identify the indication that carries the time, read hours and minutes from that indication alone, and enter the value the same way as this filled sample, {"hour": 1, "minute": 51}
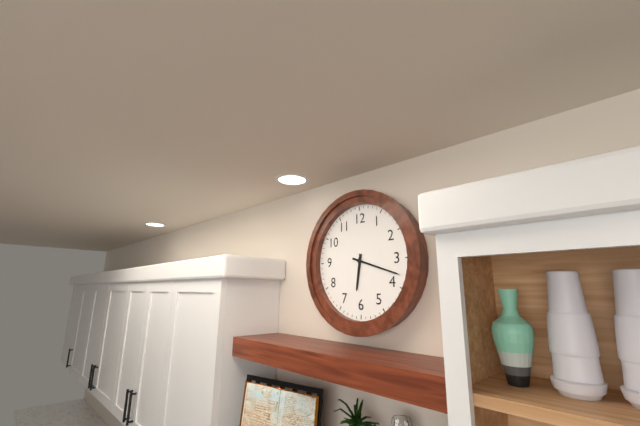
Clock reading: {"hour": 6, "minute": 18}
